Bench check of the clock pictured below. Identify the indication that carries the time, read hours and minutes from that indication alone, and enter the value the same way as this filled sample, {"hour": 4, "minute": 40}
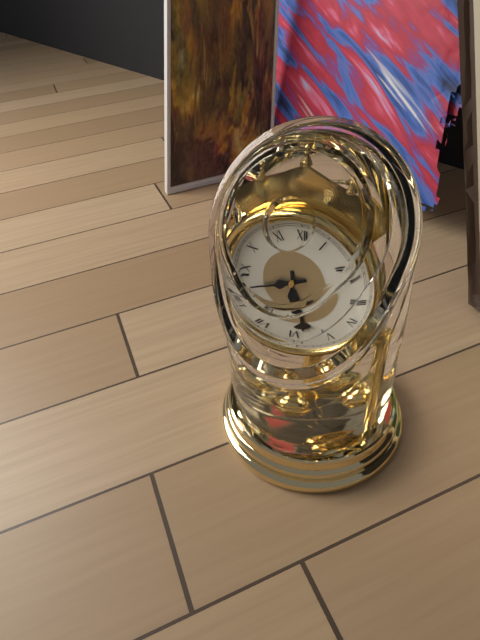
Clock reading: {"hour": 5, "minute": 42}
